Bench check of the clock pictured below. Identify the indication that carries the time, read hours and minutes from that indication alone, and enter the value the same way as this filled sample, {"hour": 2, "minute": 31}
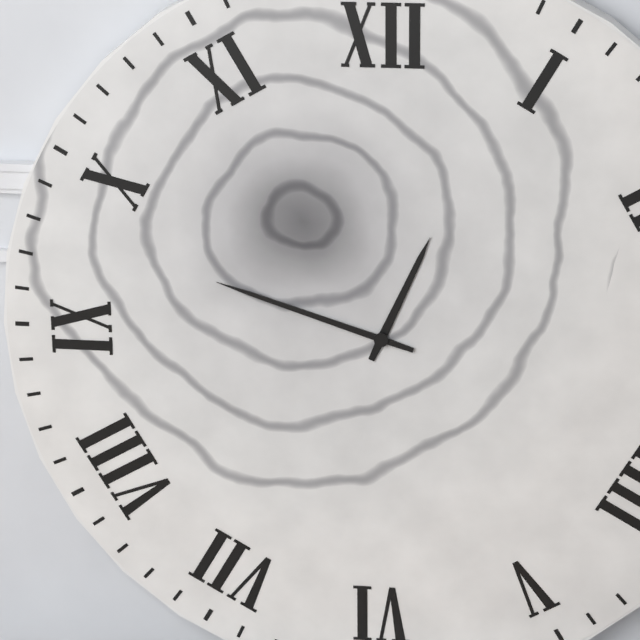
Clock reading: {"hour": 12, "minute": 48}
